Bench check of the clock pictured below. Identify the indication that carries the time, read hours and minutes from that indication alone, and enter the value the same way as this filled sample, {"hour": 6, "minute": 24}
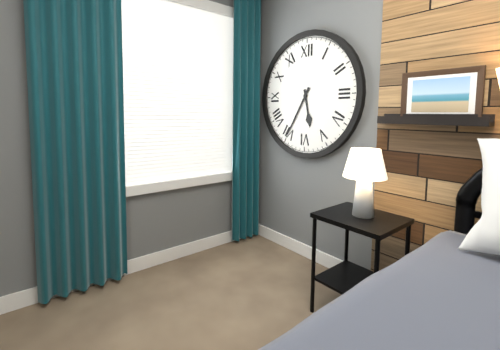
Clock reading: {"hour": 5, "minute": 35}
